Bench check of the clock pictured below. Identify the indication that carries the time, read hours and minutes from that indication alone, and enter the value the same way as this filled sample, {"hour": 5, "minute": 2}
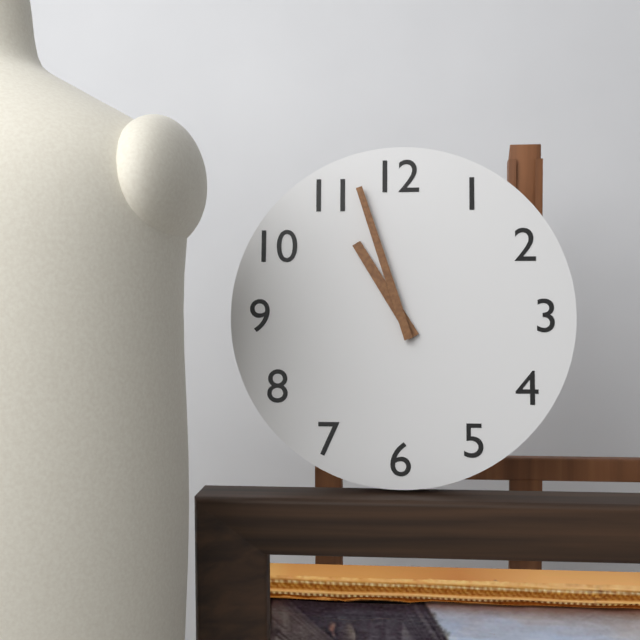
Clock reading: {"hour": 10, "minute": 57}
